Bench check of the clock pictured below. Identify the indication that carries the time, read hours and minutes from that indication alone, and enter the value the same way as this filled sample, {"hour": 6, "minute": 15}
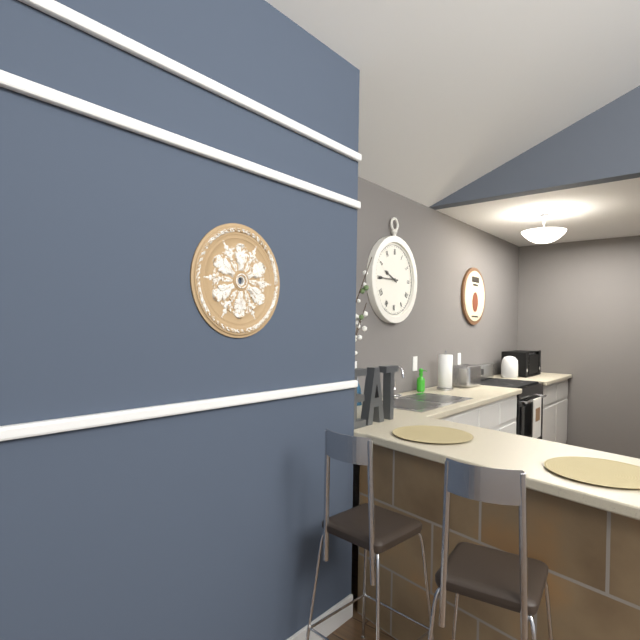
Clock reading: {"hour": 9, "minute": 45}
